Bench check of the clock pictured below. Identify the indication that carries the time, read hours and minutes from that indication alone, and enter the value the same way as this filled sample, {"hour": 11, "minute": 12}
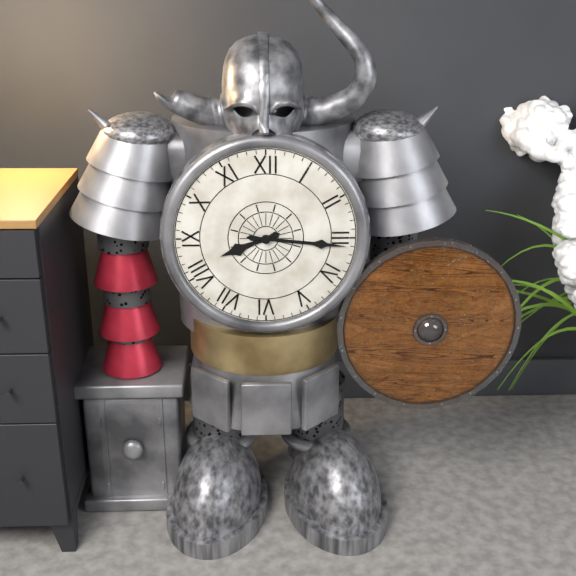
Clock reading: {"hour": 8, "minute": 16}
